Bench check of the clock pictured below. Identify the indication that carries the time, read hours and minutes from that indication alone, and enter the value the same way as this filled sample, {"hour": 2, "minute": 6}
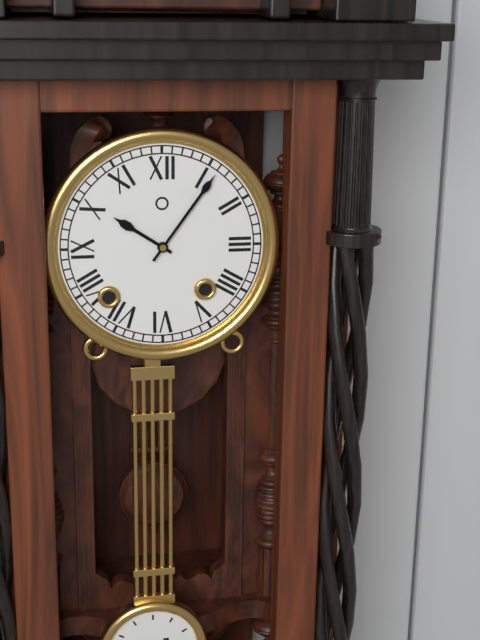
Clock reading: {"hour": 10, "minute": 6}
